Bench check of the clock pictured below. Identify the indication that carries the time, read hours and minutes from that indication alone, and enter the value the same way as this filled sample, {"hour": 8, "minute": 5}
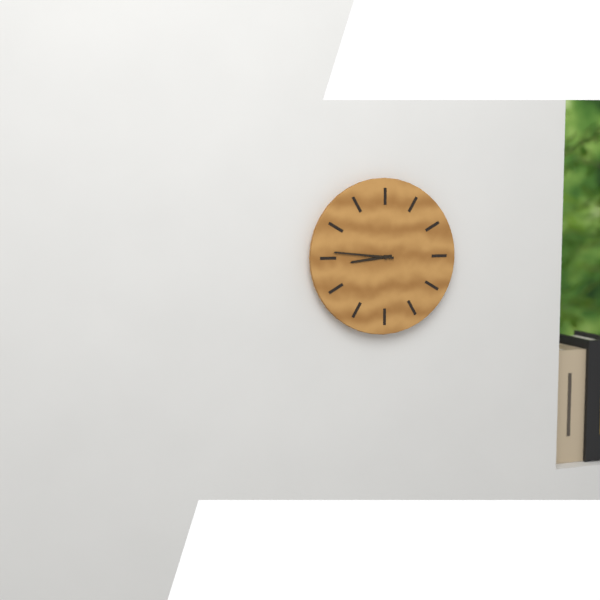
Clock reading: {"hour": 8, "minute": 46}
